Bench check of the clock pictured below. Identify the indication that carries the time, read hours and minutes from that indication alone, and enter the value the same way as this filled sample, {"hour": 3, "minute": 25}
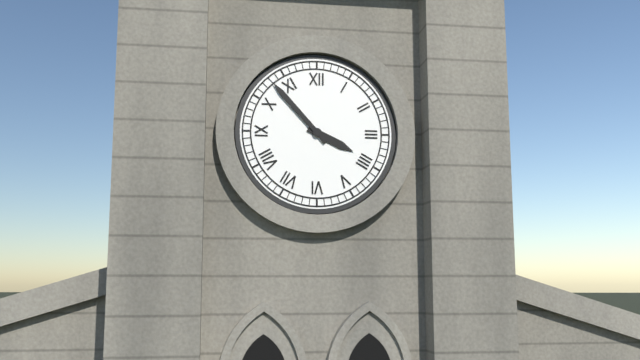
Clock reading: {"hour": 3, "minute": 53}
